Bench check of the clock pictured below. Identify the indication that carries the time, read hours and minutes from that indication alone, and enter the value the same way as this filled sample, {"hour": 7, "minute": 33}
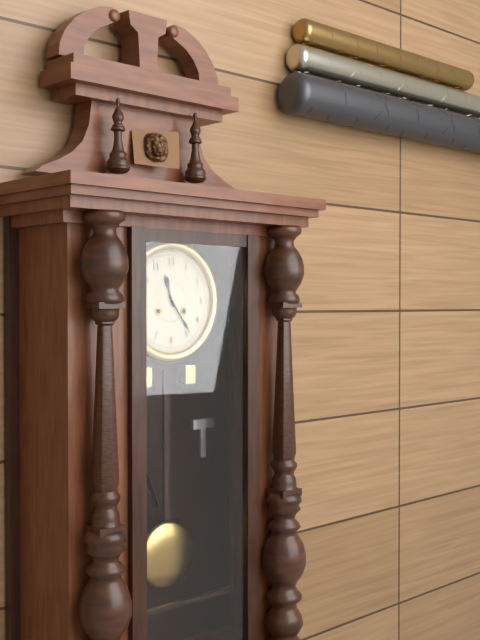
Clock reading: {"hour": 11, "minute": 24}
